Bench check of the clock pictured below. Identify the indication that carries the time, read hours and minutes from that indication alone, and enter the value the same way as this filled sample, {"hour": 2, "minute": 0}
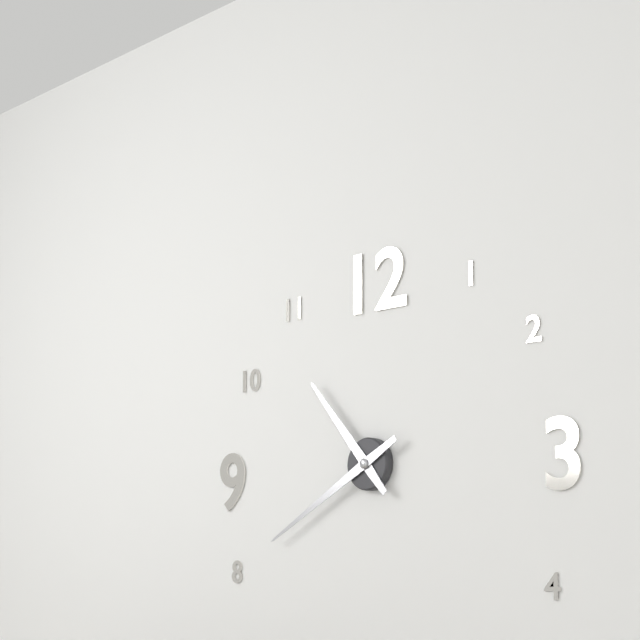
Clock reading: {"hour": 10, "minute": 40}
